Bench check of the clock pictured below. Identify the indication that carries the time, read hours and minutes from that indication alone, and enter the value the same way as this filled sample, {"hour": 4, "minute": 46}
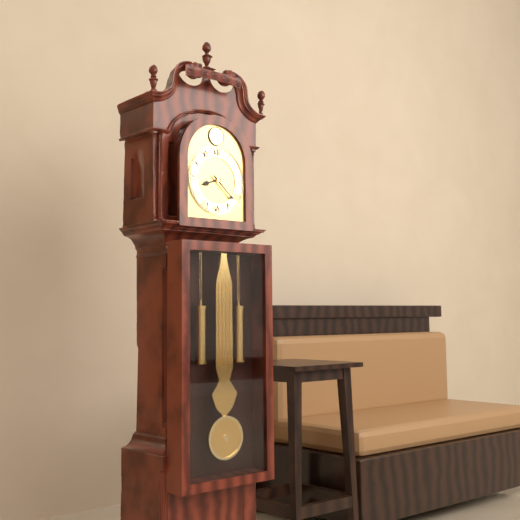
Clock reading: {"hour": 8, "minute": 22}
